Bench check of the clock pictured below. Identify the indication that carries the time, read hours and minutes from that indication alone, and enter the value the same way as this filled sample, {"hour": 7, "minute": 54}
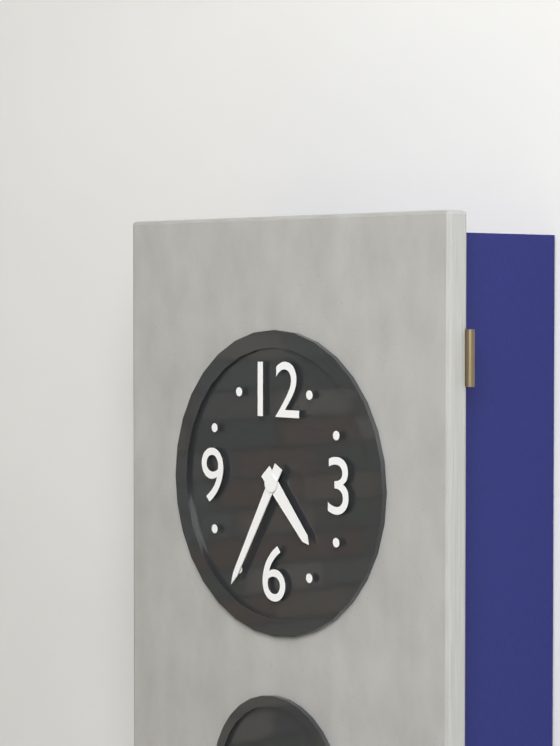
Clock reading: {"hour": 4, "minute": 35}
